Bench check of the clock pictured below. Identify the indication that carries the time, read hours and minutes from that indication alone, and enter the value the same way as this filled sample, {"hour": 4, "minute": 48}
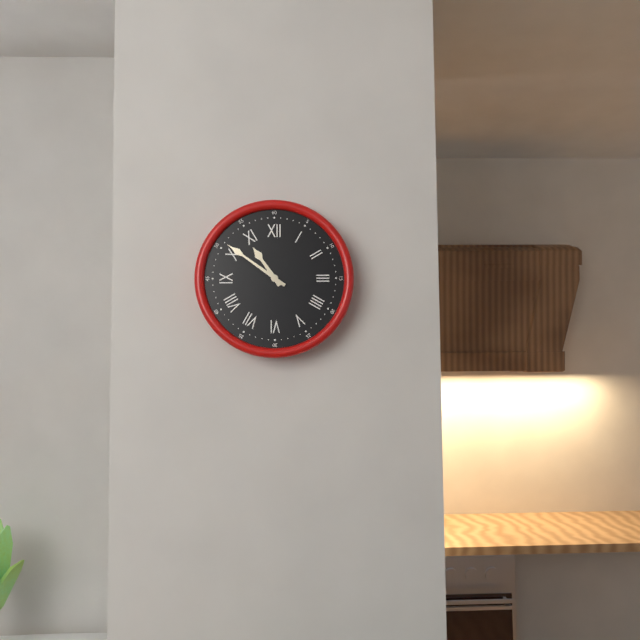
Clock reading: {"hour": 10, "minute": 51}
